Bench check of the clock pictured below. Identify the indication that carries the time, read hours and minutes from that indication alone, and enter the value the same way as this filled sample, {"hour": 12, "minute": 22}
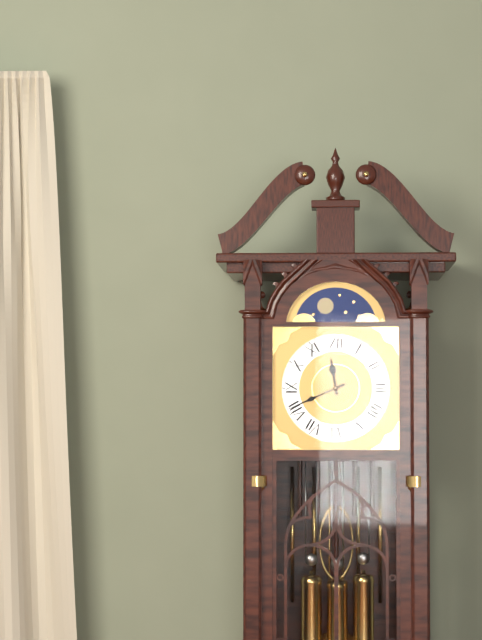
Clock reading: {"hour": 11, "minute": 41}
